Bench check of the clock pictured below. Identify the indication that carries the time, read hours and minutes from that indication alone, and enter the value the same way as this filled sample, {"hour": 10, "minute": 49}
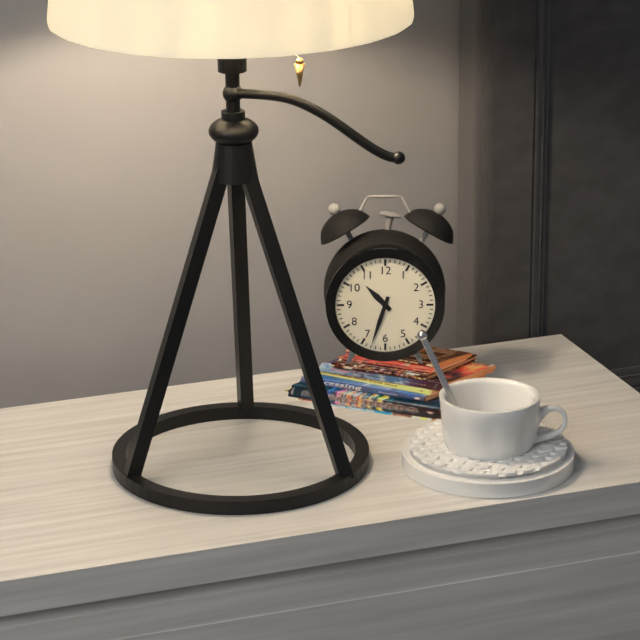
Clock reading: {"hour": 10, "minute": 33}
